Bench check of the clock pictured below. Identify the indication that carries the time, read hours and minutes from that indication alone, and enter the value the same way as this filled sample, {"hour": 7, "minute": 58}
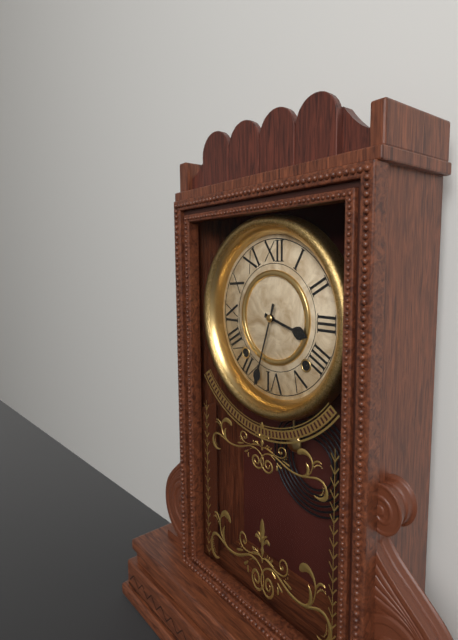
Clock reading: {"hour": 3, "minute": 33}
